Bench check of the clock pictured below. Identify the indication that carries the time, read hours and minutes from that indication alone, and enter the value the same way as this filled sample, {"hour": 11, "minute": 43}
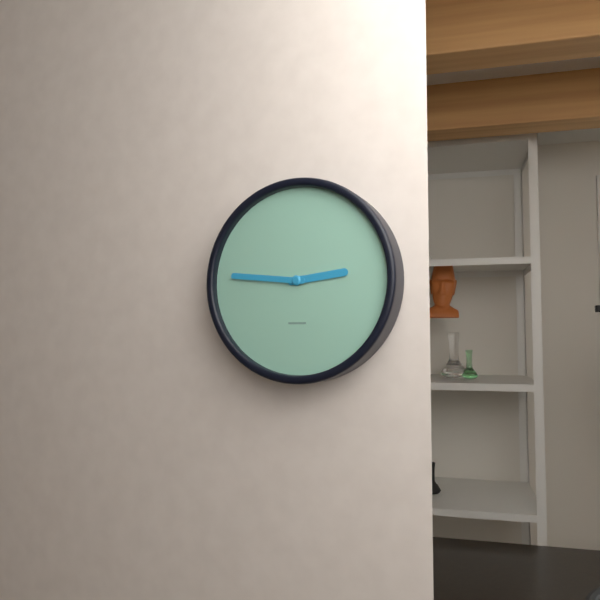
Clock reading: {"hour": 2, "minute": 46}
